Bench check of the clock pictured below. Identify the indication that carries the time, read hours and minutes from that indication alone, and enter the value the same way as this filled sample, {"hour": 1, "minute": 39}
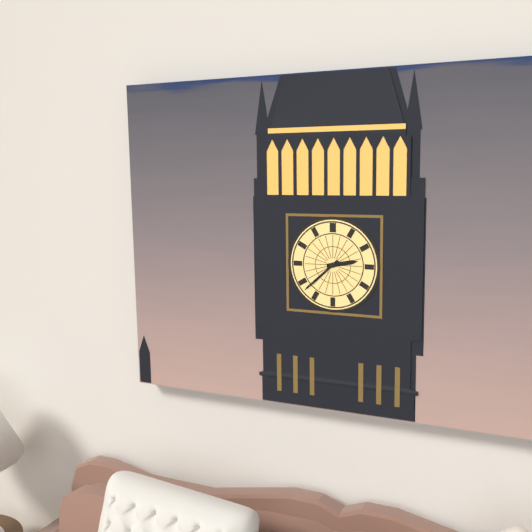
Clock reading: {"hour": 2, "minute": 38}
